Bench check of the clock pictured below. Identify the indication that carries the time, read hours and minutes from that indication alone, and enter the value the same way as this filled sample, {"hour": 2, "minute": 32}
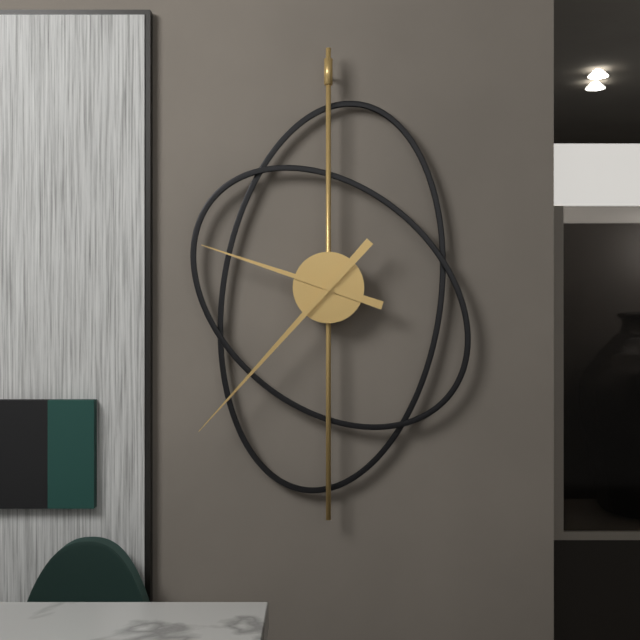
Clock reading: {"hour": 9, "minute": 37}
